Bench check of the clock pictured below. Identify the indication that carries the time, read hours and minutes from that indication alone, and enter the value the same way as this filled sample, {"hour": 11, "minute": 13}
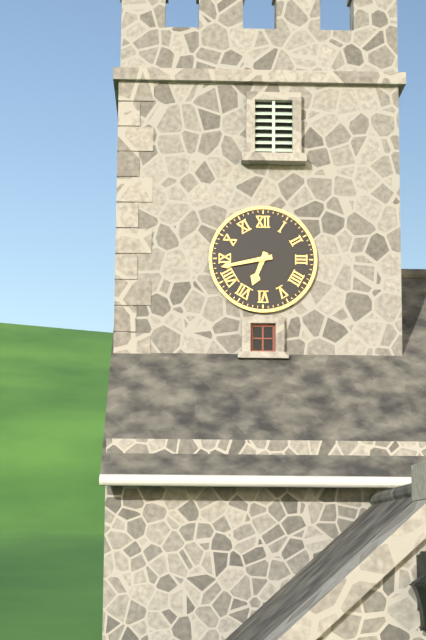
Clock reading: {"hour": 6, "minute": 43}
